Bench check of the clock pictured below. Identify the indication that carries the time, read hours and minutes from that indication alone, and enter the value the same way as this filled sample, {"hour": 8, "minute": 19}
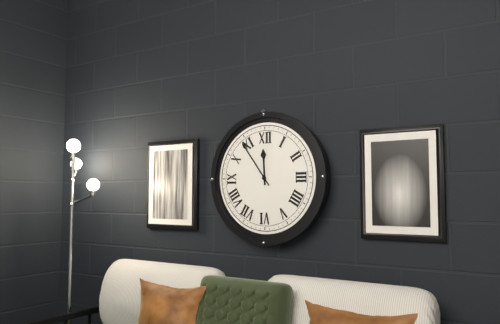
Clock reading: {"hour": 11, "minute": 54}
